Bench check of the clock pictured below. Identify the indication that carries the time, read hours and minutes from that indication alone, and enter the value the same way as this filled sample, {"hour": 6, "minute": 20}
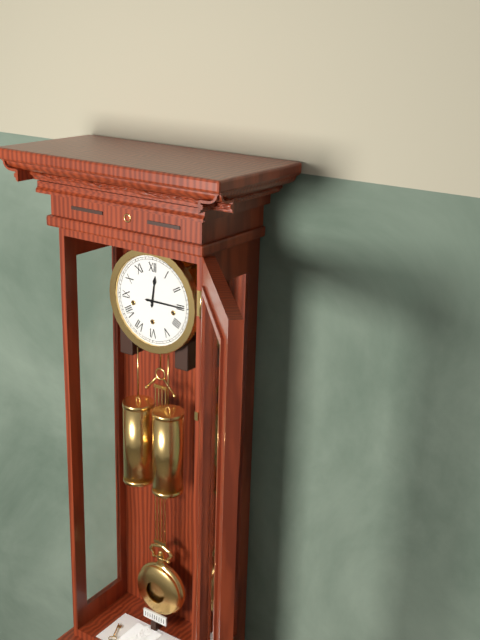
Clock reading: {"hour": 12, "minute": 15}
